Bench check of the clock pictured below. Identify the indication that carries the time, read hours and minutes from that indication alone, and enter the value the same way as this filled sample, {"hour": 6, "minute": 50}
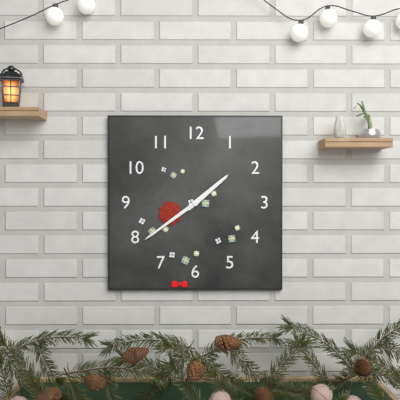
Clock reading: {"hour": 1, "minute": 39}
